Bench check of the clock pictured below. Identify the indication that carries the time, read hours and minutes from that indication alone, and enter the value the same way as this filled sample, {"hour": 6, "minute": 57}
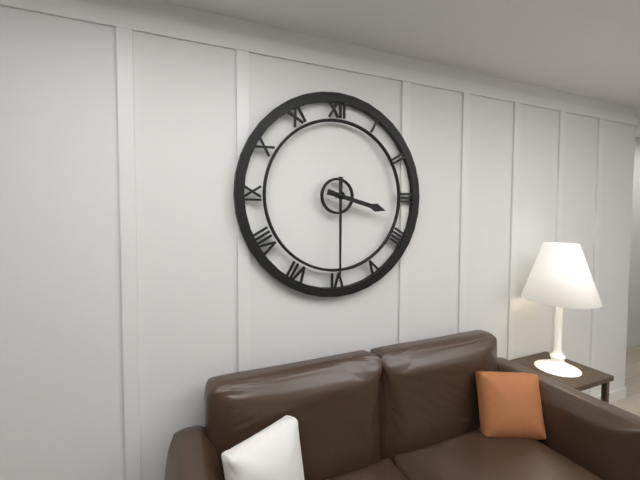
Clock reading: {"hour": 3, "minute": 30}
